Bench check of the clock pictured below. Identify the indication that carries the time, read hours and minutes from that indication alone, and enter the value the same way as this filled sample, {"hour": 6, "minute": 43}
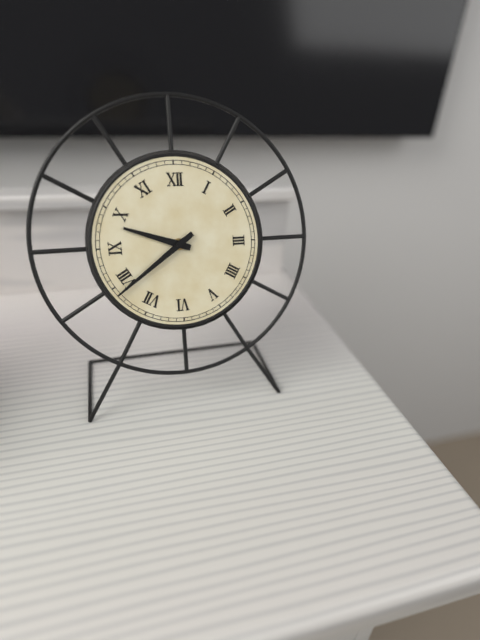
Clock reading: {"hour": 9, "minute": 39}
